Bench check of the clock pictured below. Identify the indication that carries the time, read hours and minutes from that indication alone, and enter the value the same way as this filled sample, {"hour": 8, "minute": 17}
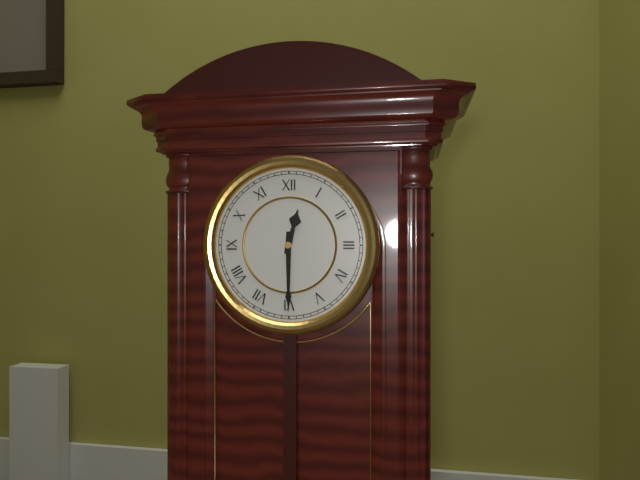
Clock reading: {"hour": 12, "minute": 30}
